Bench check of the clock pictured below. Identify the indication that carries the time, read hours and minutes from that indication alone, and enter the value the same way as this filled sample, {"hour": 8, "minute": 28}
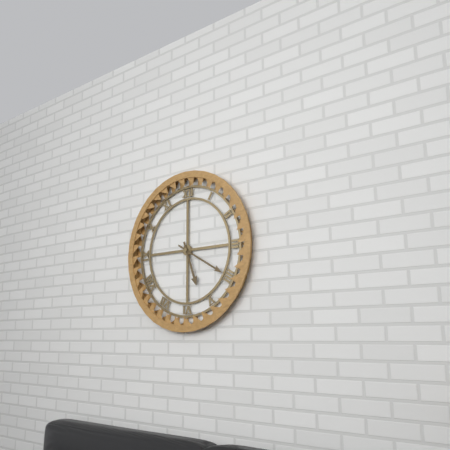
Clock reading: {"hour": 5, "minute": 20}
